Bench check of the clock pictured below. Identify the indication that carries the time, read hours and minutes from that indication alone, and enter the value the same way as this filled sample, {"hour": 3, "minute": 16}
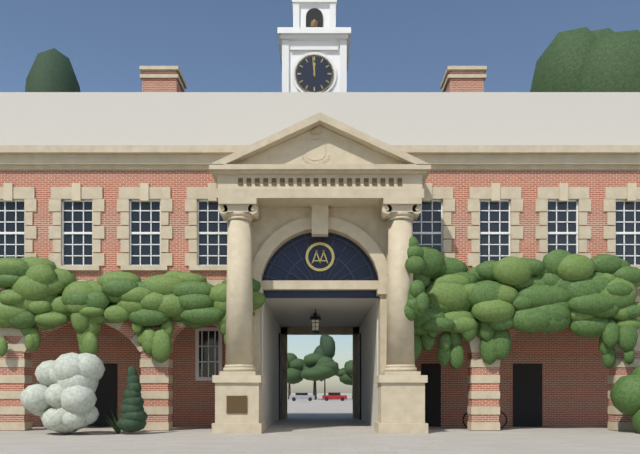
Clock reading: {"hour": 11, "minute": 59}
